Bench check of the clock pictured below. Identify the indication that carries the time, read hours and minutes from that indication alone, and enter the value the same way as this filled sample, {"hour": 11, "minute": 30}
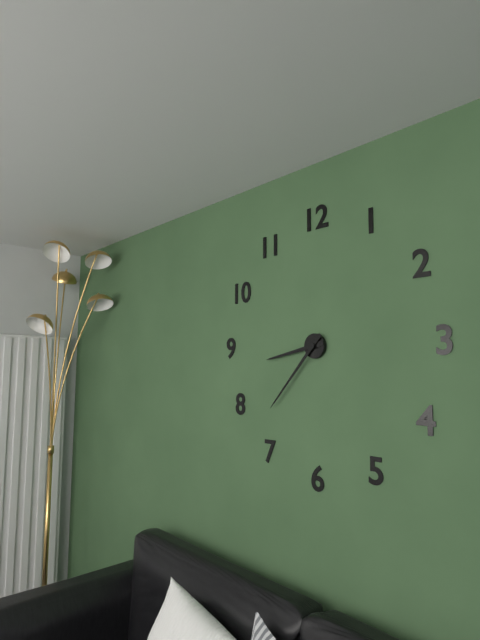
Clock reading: {"hour": 8, "minute": 37}
